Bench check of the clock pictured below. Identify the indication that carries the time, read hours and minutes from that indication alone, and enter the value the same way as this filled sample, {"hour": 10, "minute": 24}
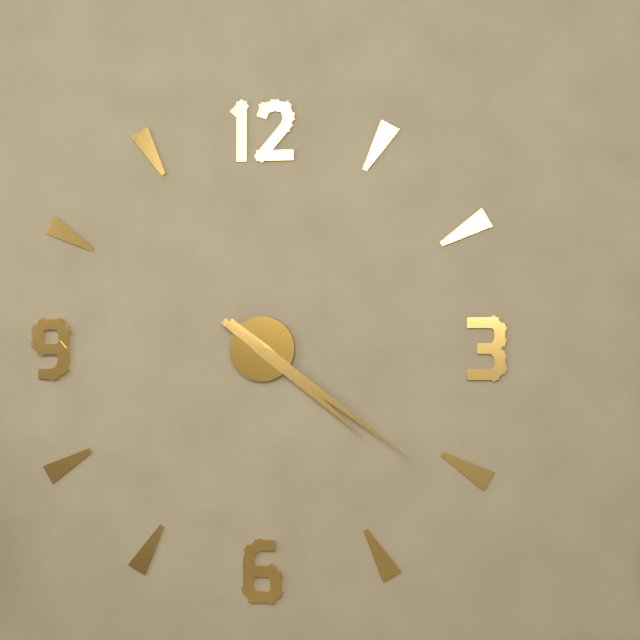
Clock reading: {"hour": 4, "minute": 21}
